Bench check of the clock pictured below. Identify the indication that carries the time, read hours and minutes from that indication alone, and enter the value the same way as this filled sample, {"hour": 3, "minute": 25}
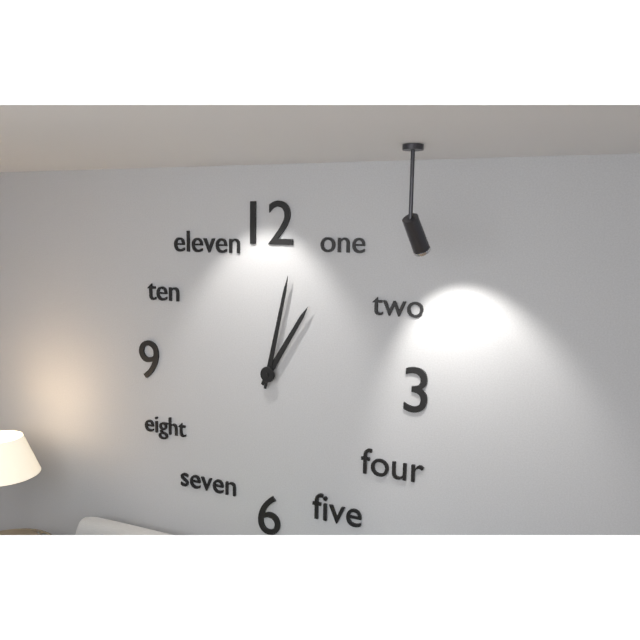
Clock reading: {"hour": 1, "minute": 2}
